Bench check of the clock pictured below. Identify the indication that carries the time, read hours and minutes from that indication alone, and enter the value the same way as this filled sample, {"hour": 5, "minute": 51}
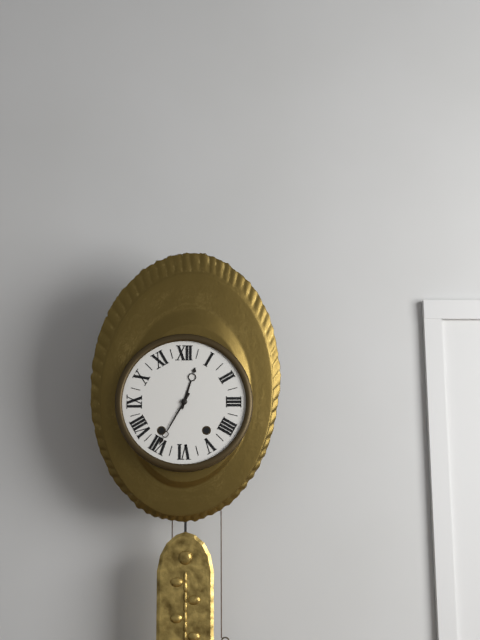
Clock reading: {"hour": 12, "minute": 35}
